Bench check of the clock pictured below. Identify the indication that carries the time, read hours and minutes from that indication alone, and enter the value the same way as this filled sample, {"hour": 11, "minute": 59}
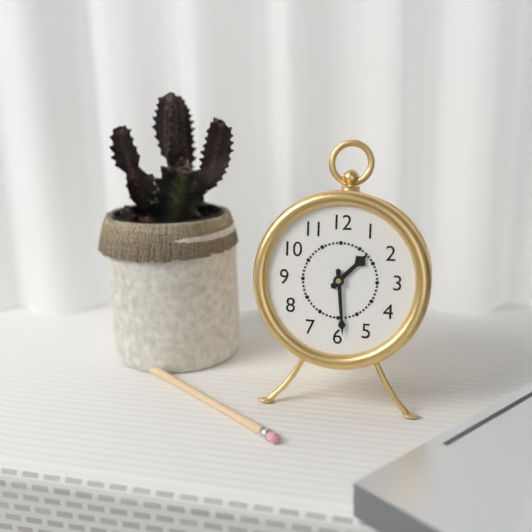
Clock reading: {"hour": 1, "minute": 29}
